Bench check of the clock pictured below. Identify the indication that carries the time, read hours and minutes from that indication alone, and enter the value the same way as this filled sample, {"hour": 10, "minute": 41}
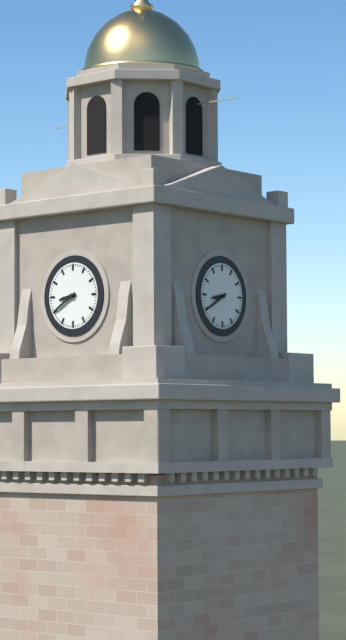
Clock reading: {"hour": 8, "minute": 40}
